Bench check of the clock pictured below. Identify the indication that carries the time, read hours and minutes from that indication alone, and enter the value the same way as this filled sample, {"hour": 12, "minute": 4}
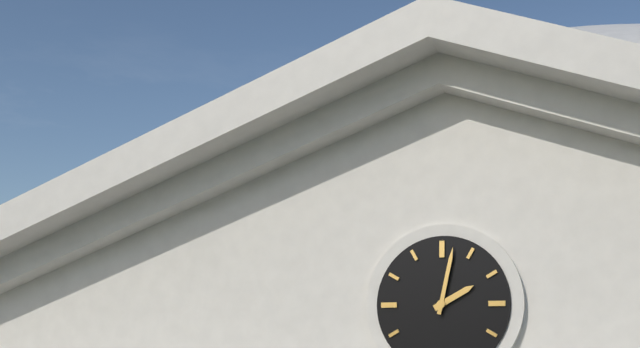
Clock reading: {"hour": 2, "minute": 2}
